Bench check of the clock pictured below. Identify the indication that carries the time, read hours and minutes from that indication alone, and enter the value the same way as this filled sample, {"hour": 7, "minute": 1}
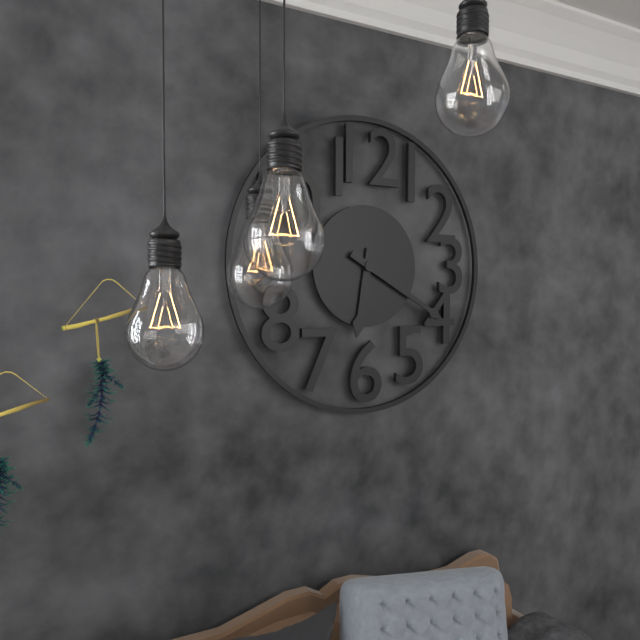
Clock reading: {"hour": 6, "minute": 20}
